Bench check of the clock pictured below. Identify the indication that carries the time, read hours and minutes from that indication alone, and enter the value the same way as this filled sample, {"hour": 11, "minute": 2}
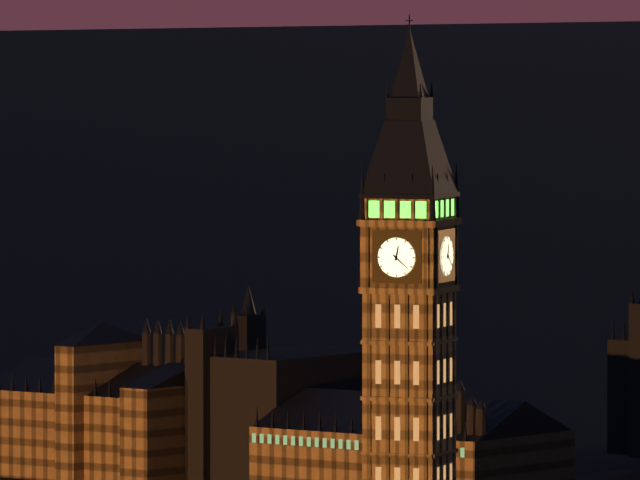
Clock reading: {"hour": 12, "minute": 22}
